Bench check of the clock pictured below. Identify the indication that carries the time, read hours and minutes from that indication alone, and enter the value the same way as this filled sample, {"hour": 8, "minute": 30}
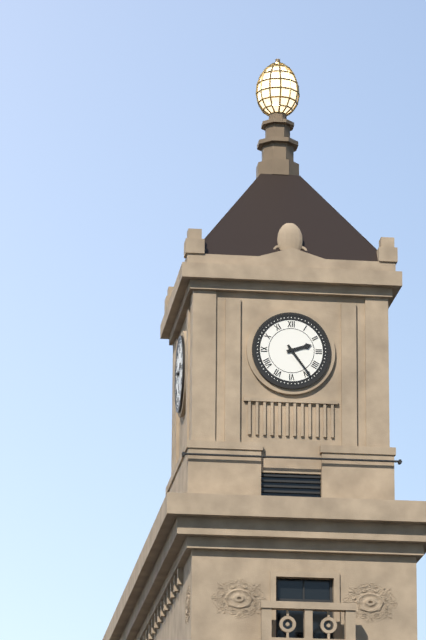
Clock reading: {"hour": 2, "minute": 24}
